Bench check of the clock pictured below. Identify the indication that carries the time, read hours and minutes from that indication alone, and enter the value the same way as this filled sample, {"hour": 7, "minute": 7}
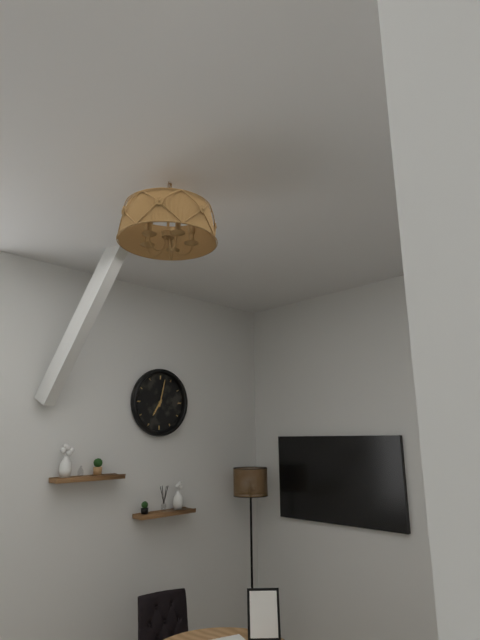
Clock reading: {"hour": 7, "minute": 2}
